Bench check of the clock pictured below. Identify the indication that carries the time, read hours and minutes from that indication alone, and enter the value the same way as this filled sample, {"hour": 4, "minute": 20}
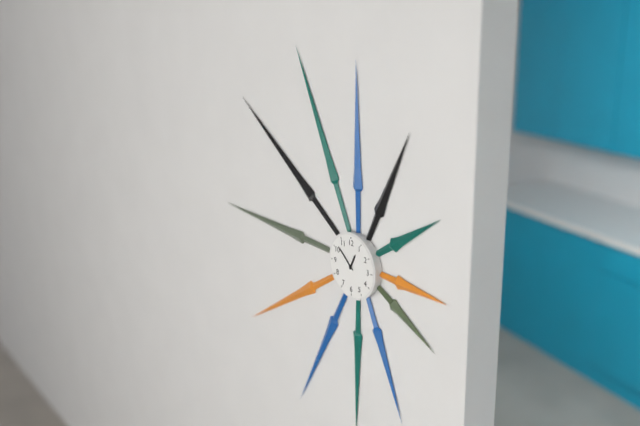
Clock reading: {"hour": 12, "minute": 52}
